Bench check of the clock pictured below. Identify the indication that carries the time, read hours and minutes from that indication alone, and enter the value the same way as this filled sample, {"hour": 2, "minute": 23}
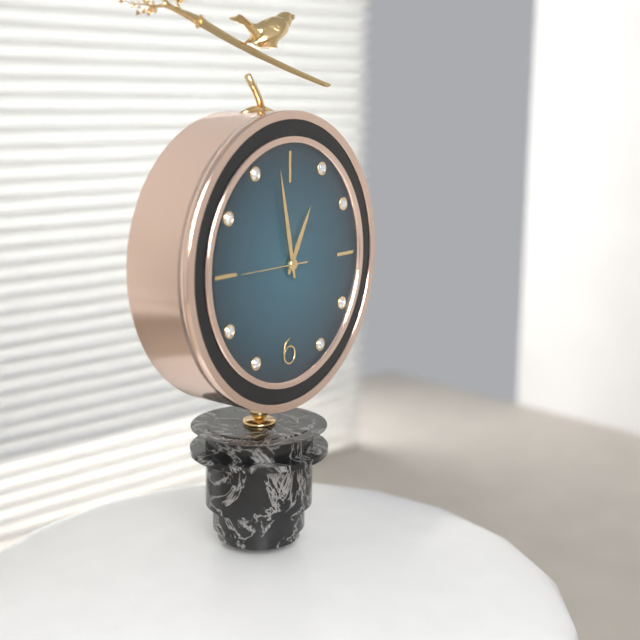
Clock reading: {"hour": 12, "minute": 58}
